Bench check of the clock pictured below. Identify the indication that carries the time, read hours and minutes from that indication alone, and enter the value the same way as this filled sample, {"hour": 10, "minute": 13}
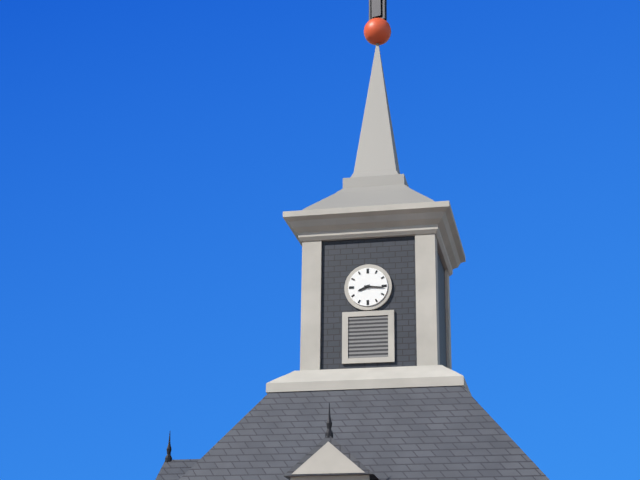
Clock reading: {"hour": 8, "minute": 16}
